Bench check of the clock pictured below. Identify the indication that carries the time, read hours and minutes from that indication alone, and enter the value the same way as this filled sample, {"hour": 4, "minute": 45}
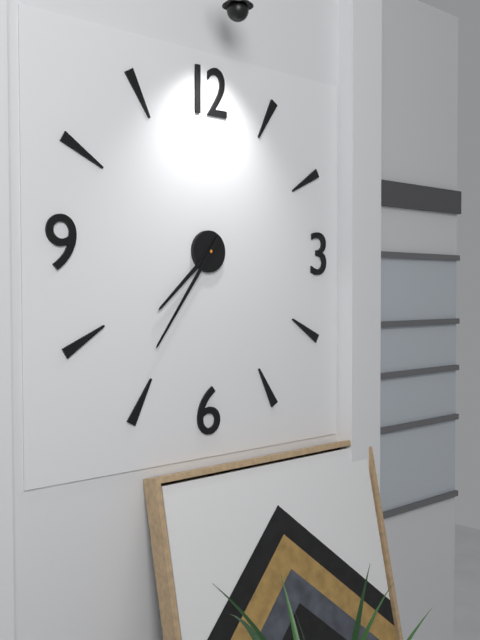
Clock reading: {"hour": 7, "minute": 36}
